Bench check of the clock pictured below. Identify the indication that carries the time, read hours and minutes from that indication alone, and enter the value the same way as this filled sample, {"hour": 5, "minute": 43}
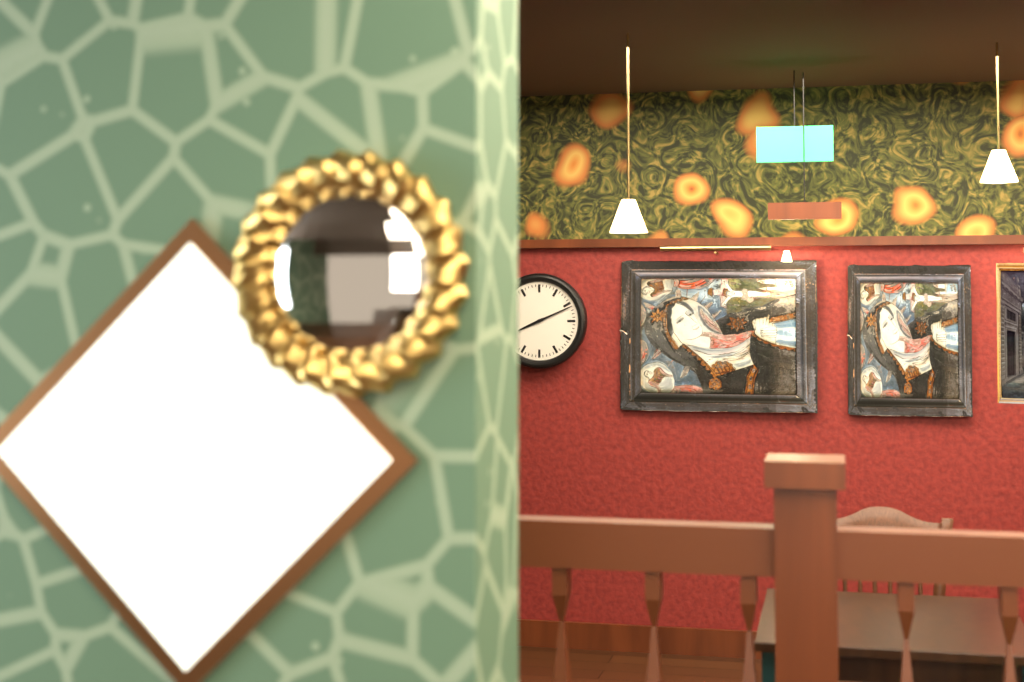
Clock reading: {"hour": 8, "minute": 11}
